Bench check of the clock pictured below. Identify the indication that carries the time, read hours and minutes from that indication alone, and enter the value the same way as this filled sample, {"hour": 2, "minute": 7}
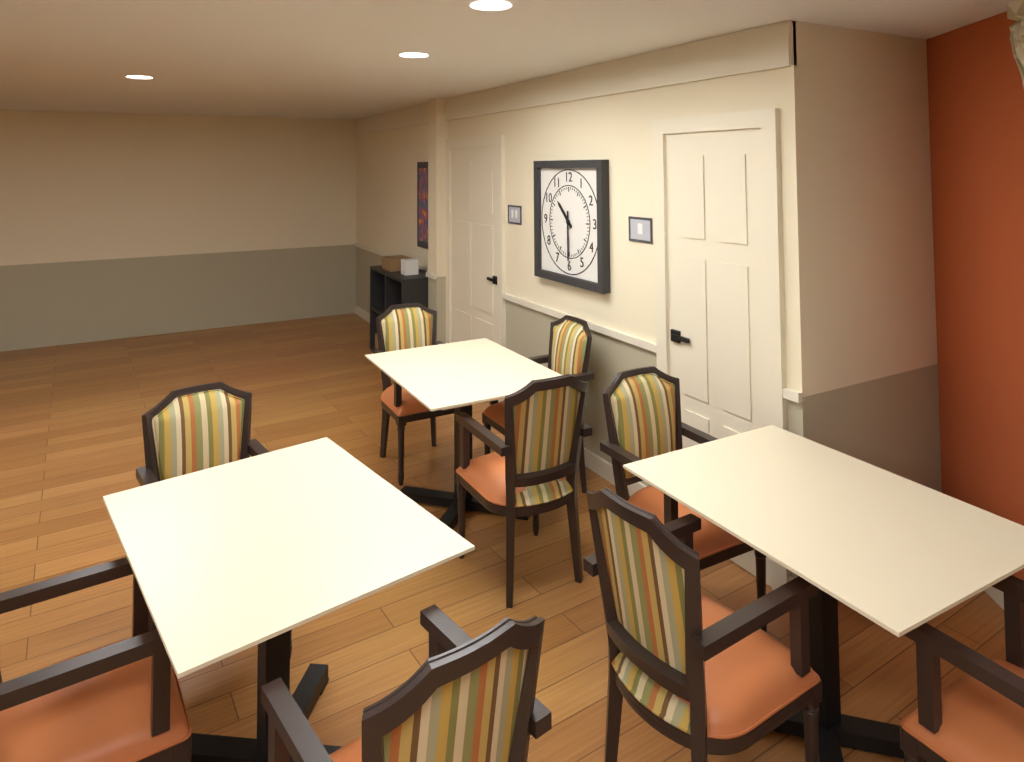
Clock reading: {"hour": 10, "minute": 30}
